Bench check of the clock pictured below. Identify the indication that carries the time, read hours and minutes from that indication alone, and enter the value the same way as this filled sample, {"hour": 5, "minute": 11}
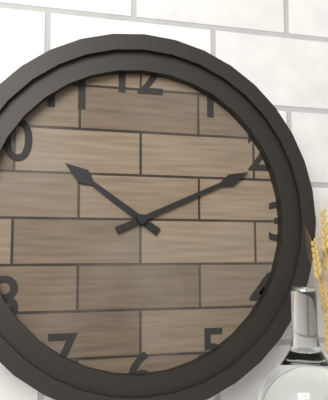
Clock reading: {"hour": 10, "minute": 11}
